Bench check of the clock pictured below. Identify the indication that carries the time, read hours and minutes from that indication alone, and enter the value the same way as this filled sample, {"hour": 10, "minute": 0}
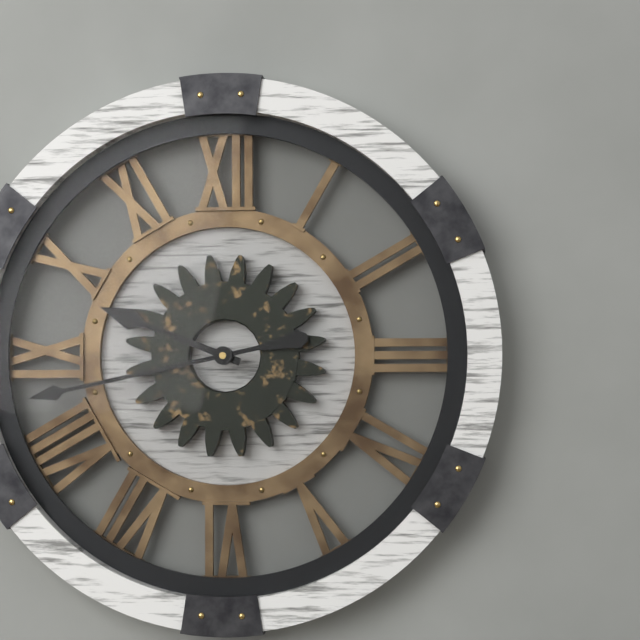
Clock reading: {"hour": 9, "minute": 43}
